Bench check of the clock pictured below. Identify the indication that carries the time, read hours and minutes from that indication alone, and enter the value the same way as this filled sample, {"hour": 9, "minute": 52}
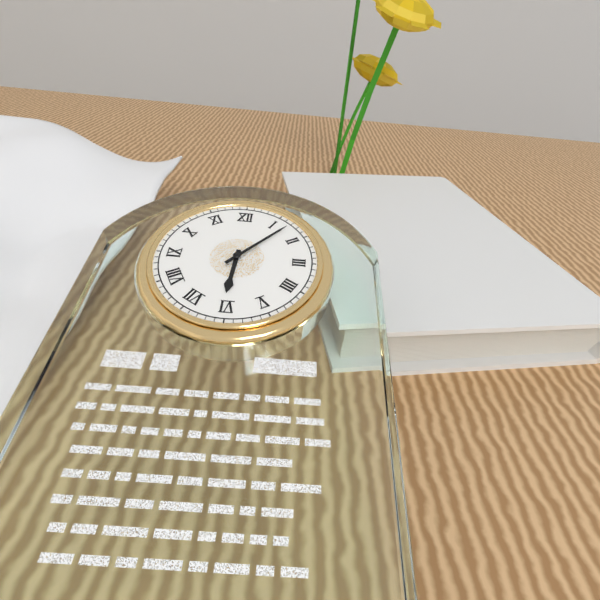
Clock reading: {"hour": 6, "minute": 7}
